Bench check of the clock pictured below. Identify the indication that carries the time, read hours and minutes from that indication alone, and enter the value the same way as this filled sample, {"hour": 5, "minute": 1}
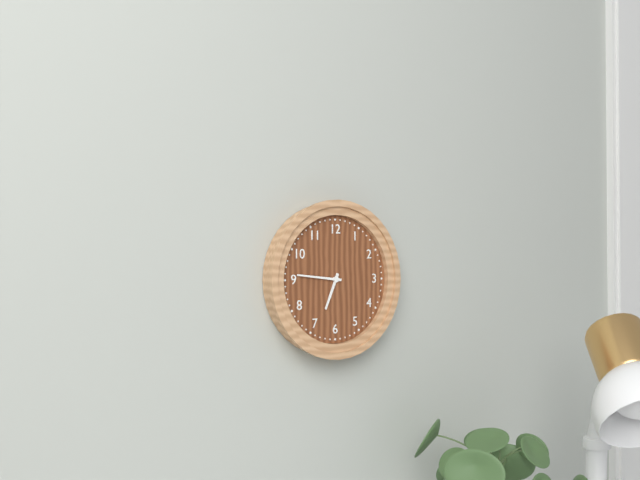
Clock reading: {"hour": 6, "minute": 46}
